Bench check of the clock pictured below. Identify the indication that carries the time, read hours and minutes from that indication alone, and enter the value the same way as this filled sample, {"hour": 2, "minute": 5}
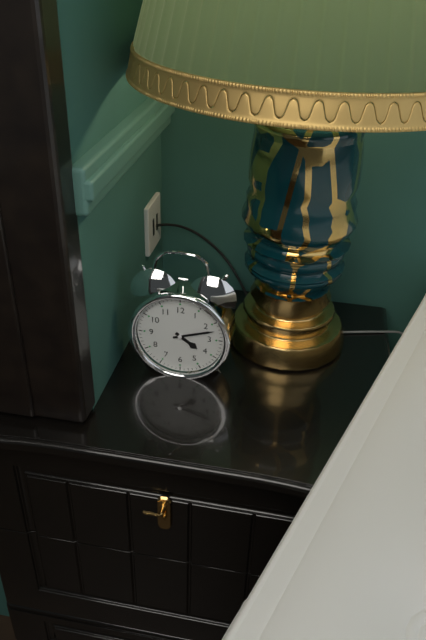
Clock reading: {"hour": 4, "minute": 12}
